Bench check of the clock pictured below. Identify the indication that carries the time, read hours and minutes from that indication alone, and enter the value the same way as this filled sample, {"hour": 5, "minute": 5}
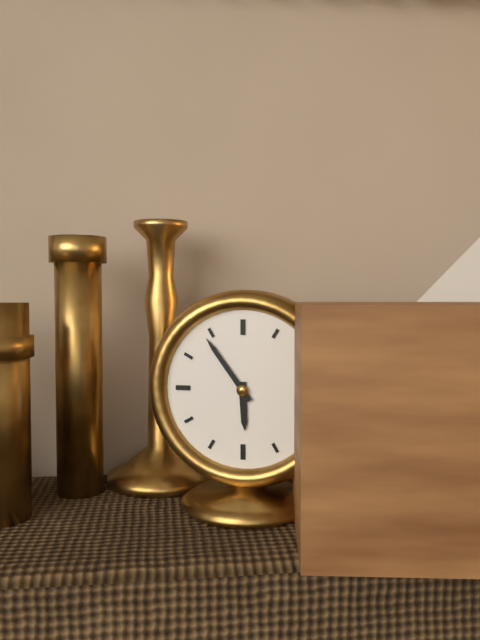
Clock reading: {"hour": 5, "minute": 54}
